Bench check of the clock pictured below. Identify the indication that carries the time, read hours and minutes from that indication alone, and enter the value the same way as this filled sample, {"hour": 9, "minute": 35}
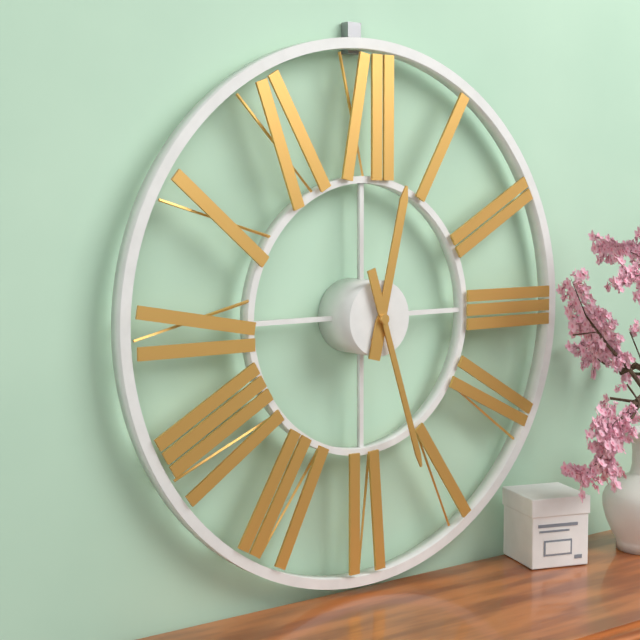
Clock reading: {"hour": 12, "minute": 27}
